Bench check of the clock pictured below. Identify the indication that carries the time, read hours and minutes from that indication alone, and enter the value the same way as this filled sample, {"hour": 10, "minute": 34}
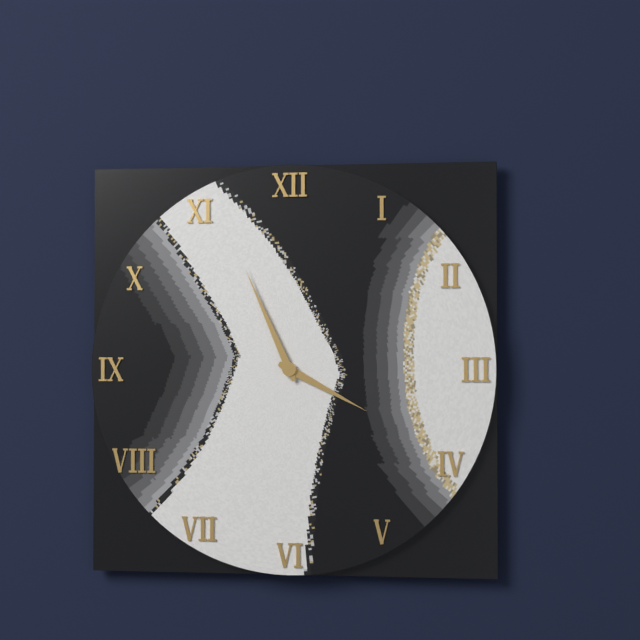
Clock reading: {"hour": 3, "minute": 56}
